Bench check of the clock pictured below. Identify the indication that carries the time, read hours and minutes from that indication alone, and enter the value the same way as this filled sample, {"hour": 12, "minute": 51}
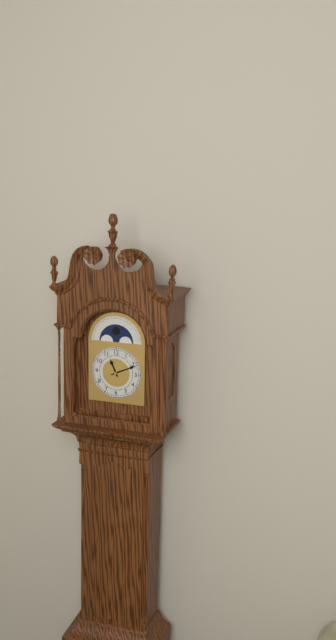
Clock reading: {"hour": 11, "minute": 11}
